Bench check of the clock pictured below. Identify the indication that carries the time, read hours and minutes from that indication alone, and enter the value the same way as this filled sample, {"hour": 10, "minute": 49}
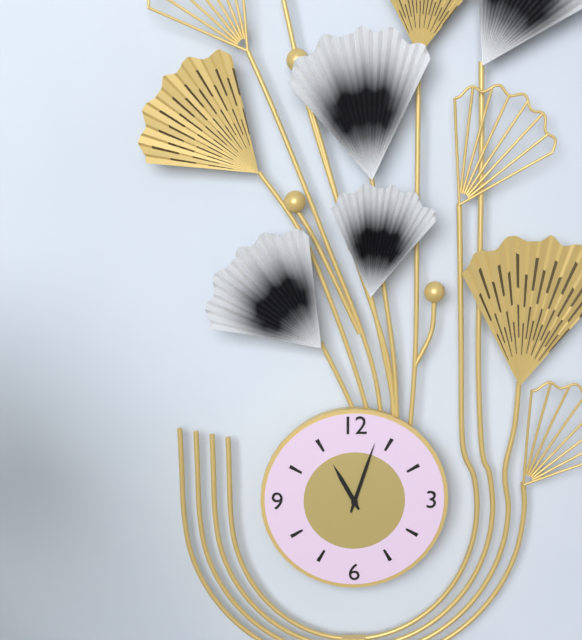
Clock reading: {"hour": 11, "minute": 3}
